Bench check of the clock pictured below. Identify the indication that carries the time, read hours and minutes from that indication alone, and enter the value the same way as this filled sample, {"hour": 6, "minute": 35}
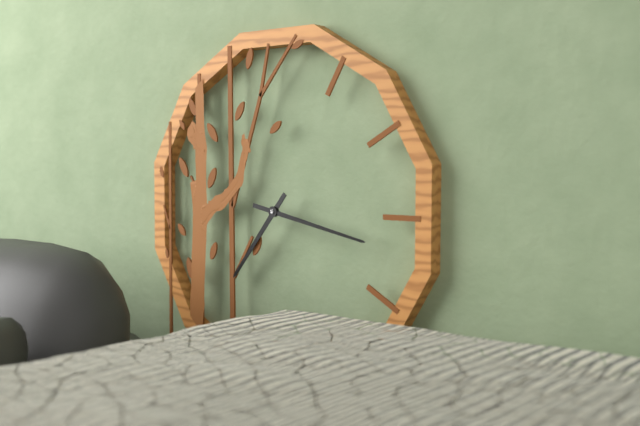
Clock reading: {"hour": 7, "minute": 17}
